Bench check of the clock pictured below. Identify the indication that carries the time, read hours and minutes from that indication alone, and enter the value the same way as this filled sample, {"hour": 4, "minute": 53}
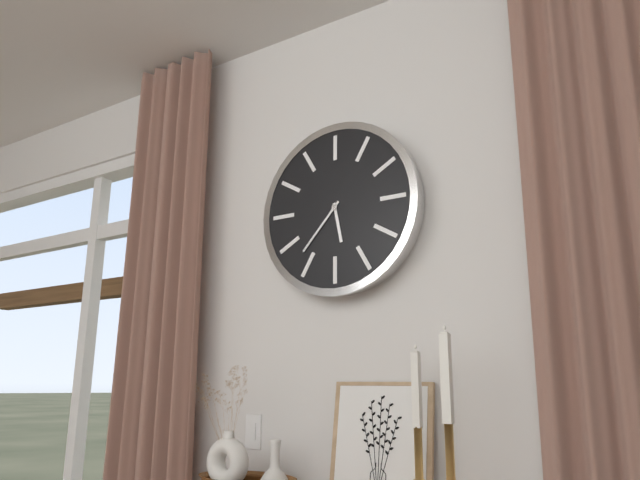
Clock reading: {"hour": 5, "minute": 37}
